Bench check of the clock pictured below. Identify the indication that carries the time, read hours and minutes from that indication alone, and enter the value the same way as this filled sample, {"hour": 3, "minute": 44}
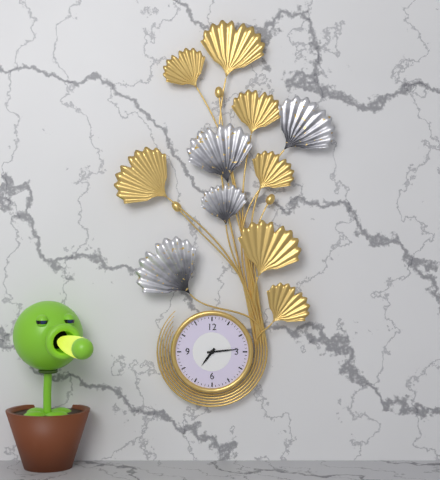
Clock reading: {"hour": 7, "minute": 14}
